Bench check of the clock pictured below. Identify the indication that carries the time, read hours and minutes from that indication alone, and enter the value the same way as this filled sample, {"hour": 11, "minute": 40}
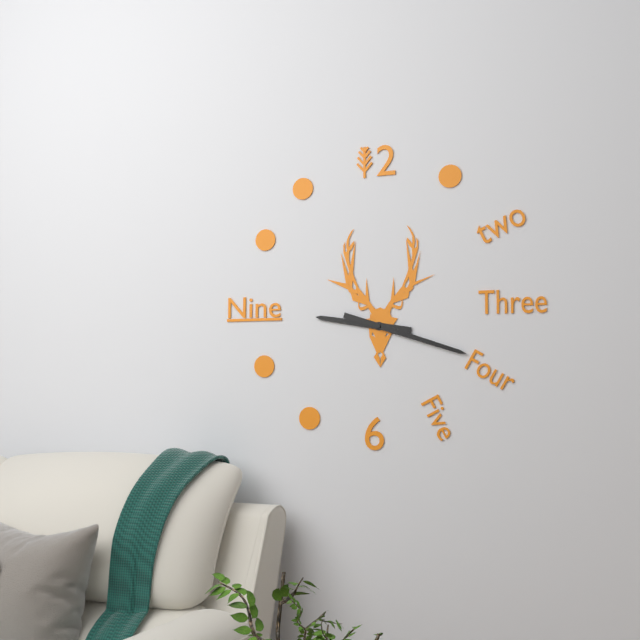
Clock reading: {"hour": 9, "minute": 18}
